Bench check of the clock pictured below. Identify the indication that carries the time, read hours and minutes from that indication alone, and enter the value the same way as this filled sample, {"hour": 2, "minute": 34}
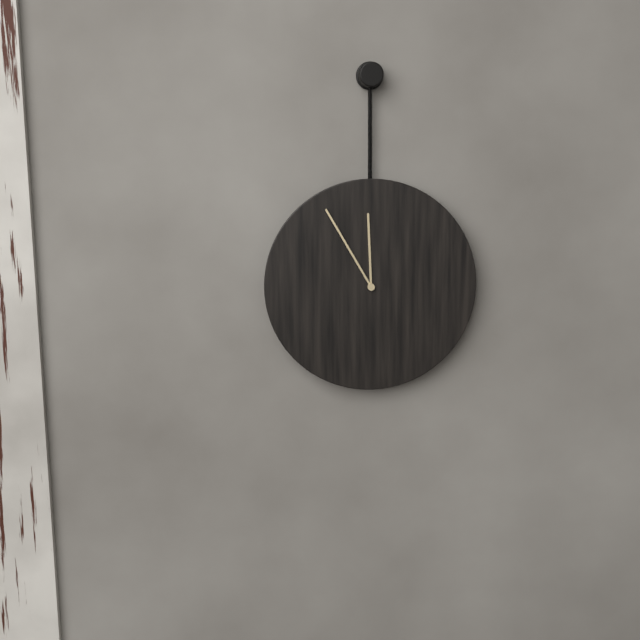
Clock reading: {"hour": 11, "minute": 55}
